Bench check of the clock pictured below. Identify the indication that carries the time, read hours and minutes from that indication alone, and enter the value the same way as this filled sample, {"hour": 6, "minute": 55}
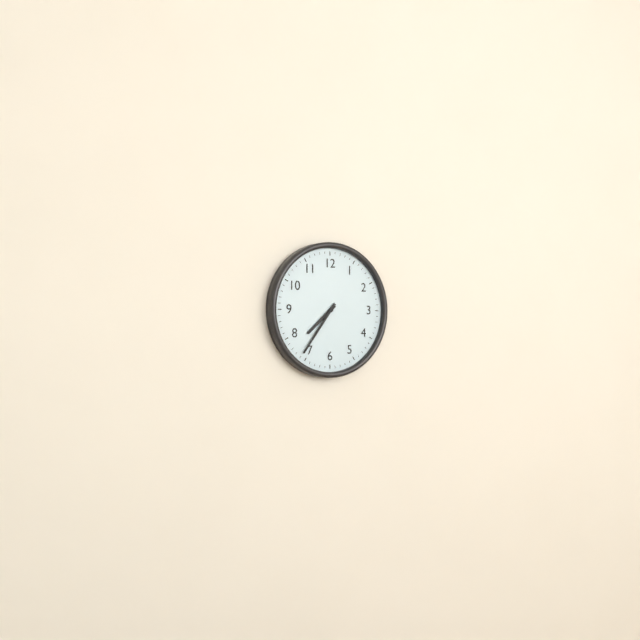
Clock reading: {"hour": 7, "minute": 36}
